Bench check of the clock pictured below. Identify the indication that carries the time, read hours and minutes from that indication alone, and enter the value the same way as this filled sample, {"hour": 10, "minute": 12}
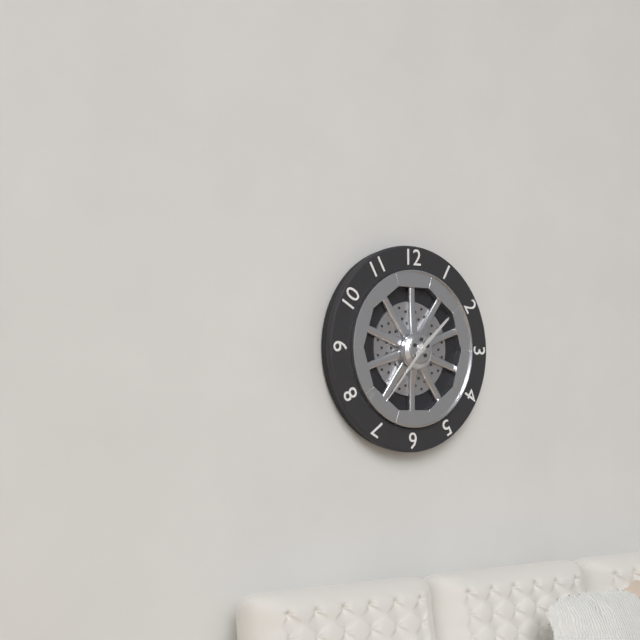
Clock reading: {"hour": 1, "minute": 37}
